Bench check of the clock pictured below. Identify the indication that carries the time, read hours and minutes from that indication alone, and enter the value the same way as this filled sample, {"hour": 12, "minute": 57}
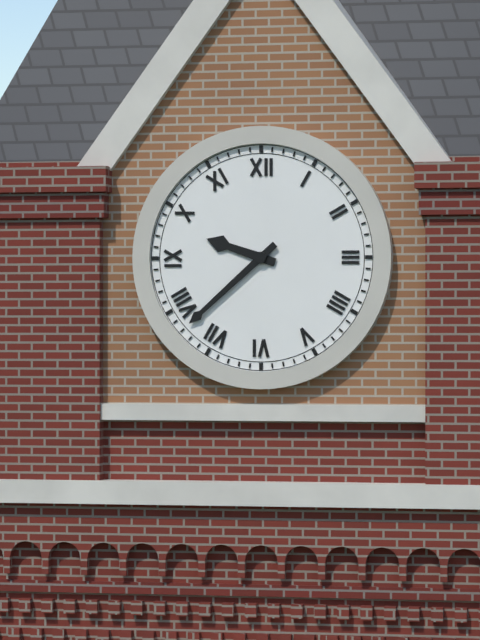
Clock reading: {"hour": 9, "minute": 38}
